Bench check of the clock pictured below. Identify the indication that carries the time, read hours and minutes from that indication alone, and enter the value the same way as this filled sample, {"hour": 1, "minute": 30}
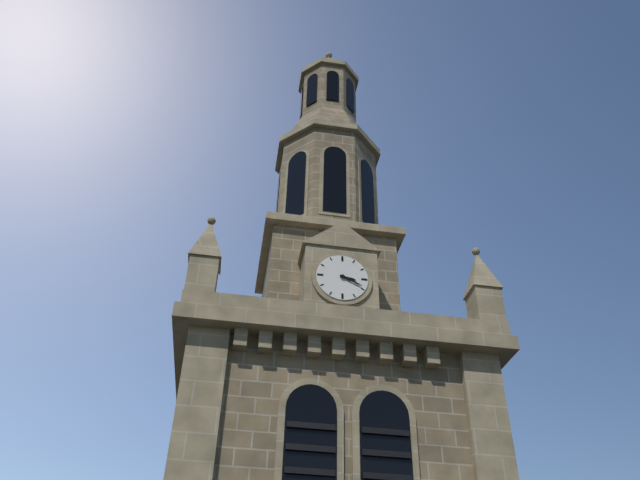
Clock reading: {"hour": 3, "minute": 19}
